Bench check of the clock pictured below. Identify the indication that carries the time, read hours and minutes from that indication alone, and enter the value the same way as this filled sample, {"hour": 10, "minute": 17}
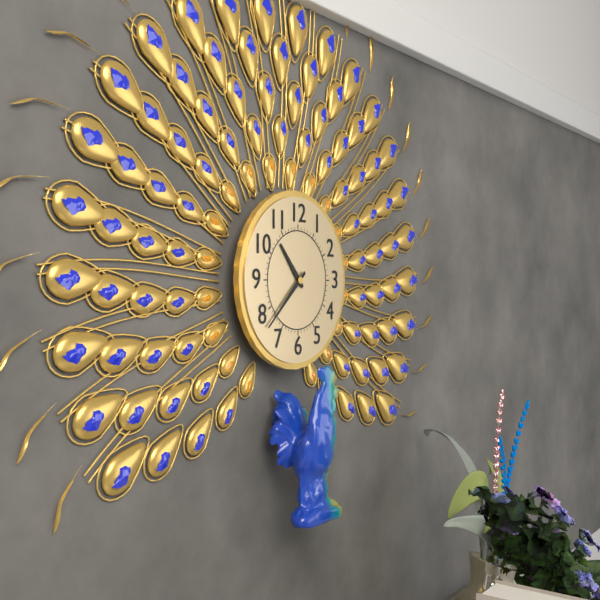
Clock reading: {"hour": 10, "minute": 38}
